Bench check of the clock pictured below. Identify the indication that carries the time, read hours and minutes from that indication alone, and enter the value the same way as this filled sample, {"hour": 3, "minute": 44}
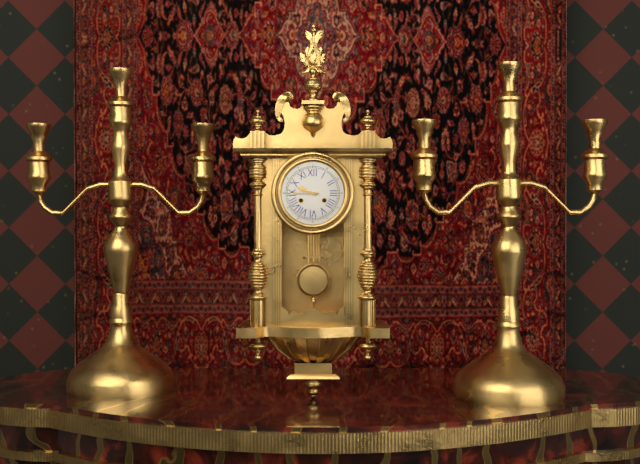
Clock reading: {"hour": 9, "minute": 45}
